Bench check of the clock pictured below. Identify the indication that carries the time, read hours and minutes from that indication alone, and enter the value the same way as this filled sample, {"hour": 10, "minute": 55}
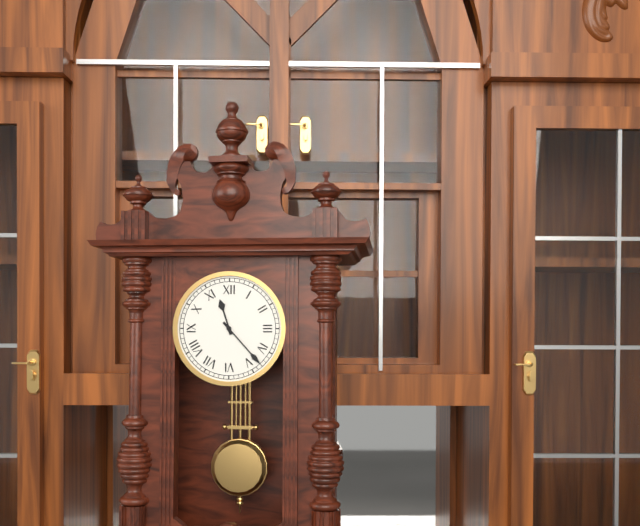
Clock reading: {"hour": 11, "minute": 23}
